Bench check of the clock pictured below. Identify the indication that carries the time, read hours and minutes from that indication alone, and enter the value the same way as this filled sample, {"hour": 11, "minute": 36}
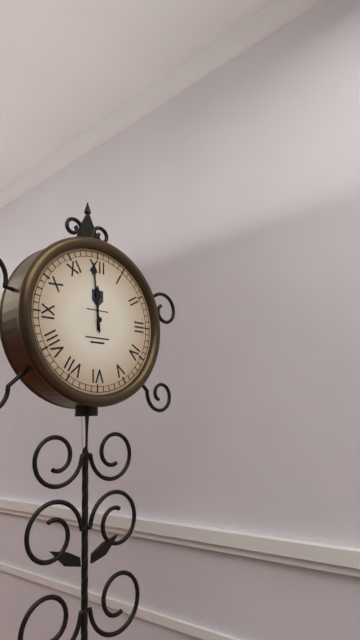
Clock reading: {"hour": 11, "minute": 59}
